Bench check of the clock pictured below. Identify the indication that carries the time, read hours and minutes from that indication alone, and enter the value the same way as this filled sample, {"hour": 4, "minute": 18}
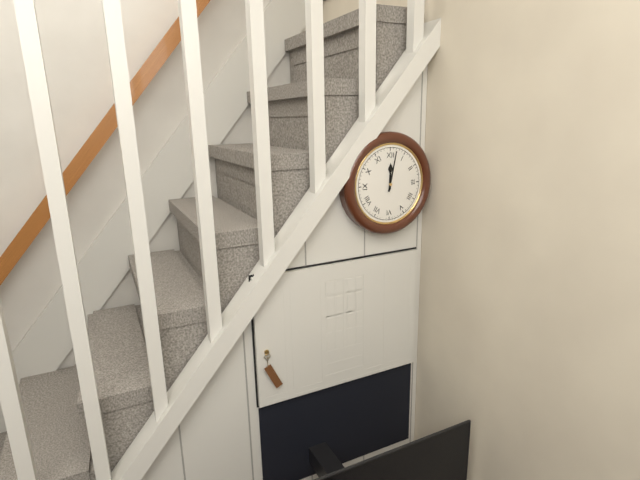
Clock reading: {"hour": 12, "minute": 2}
